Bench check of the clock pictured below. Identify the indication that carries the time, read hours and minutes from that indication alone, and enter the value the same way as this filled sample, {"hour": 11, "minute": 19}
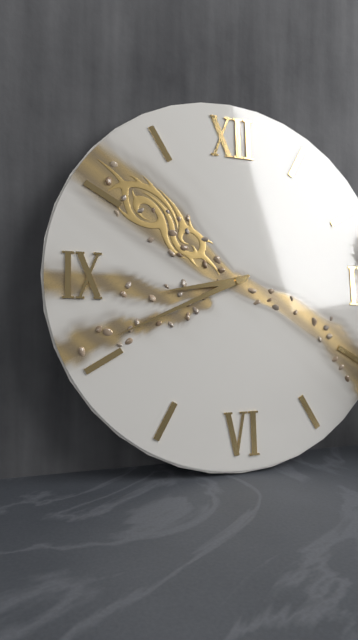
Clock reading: {"hour": 8, "minute": 41}
